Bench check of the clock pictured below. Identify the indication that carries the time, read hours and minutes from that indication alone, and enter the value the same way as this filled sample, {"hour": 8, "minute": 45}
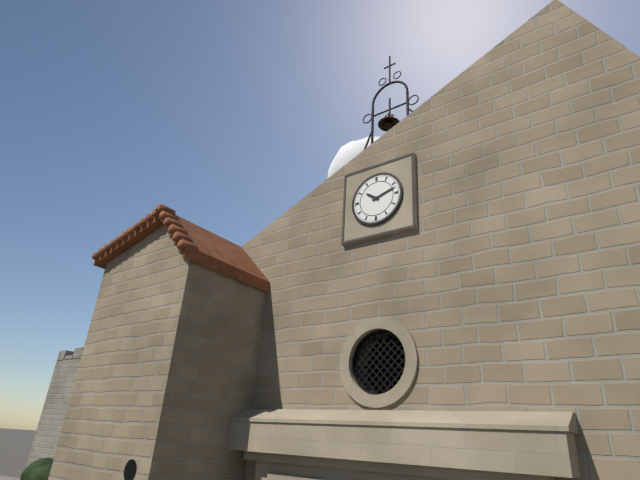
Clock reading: {"hour": 10, "minute": 12}
